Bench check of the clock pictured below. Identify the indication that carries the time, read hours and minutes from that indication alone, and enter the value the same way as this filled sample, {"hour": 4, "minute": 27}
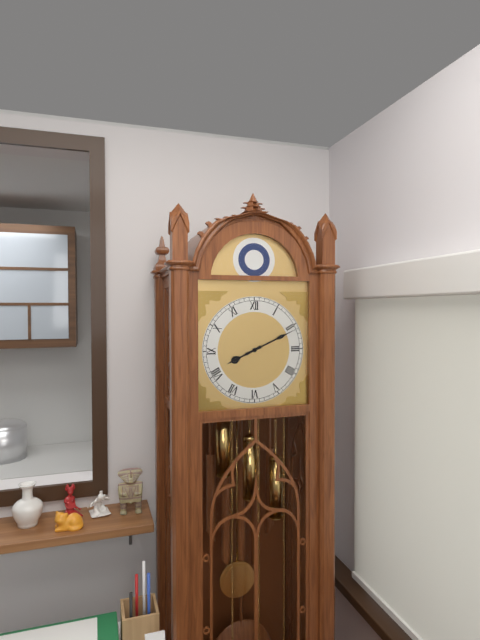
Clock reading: {"hour": 8, "minute": 11}
